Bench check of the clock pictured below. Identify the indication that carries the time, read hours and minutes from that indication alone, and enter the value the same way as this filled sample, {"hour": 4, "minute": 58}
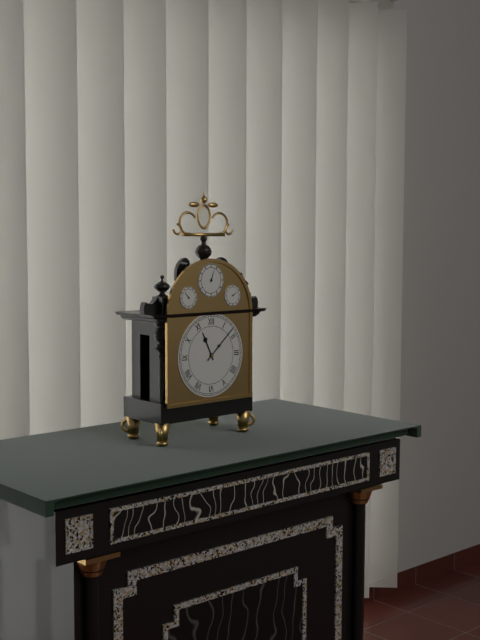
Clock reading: {"hour": 11, "minute": 8}
